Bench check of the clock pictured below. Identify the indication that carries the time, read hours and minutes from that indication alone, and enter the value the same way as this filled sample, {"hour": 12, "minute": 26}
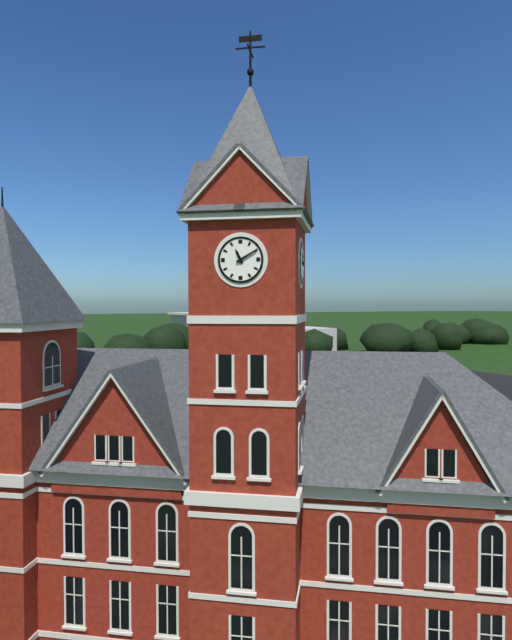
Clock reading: {"hour": 11, "minute": 10}
